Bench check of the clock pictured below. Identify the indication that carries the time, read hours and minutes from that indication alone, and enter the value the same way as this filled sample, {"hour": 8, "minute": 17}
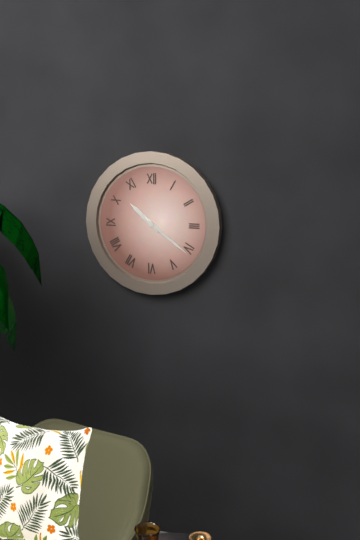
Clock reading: {"hour": 10, "minute": 21}
